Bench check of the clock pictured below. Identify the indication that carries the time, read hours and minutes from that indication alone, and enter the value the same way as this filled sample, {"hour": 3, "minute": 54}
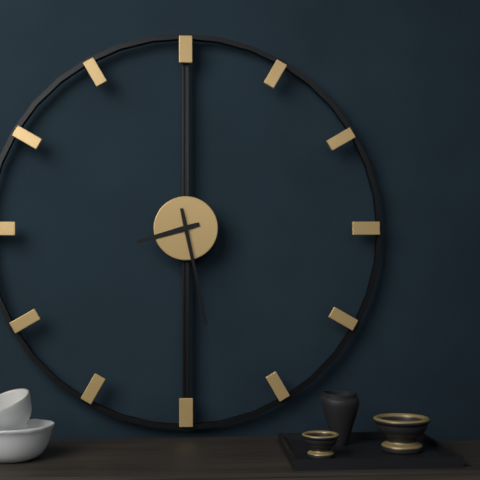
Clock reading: {"hour": 8, "minute": 28}
